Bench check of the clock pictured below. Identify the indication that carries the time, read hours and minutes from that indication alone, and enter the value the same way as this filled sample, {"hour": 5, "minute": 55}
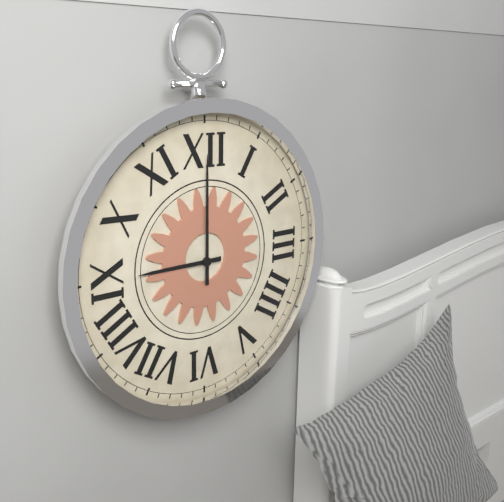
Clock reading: {"hour": 9, "minute": 0}
